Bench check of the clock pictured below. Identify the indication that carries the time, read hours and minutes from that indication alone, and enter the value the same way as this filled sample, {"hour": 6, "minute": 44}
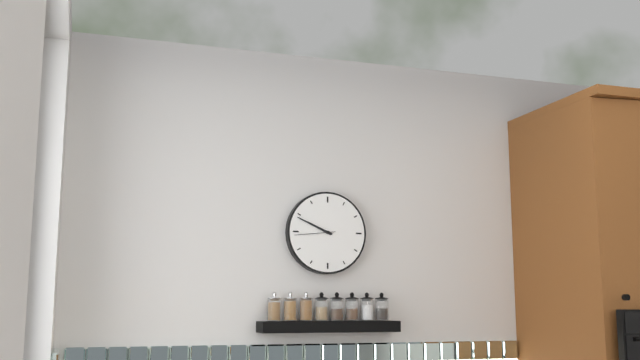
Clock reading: {"hour": 9, "minute": 49}
